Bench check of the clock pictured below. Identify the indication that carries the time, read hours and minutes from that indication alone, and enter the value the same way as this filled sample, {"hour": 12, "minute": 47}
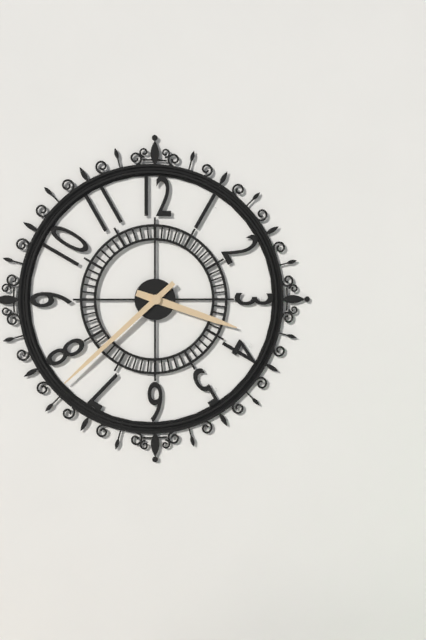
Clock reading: {"hour": 3, "minute": 38}
